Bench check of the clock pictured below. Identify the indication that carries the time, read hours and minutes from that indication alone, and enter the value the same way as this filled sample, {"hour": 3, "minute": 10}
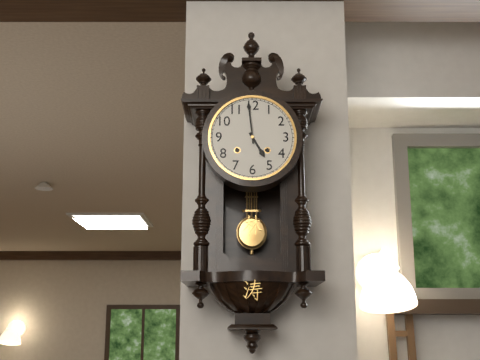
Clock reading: {"hour": 4, "minute": 59}
